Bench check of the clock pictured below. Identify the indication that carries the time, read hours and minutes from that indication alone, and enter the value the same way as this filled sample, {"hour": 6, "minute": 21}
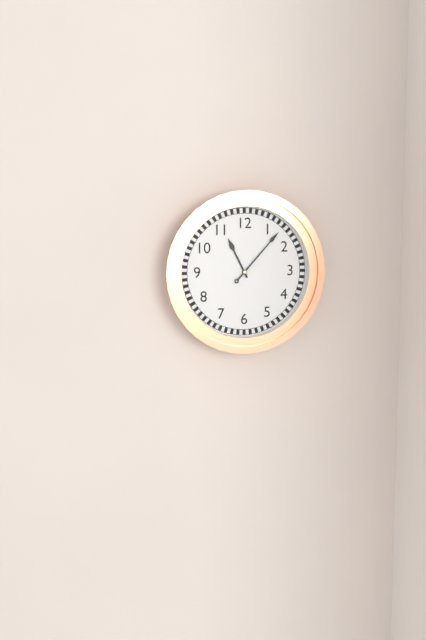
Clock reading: {"hour": 11, "minute": 7}
